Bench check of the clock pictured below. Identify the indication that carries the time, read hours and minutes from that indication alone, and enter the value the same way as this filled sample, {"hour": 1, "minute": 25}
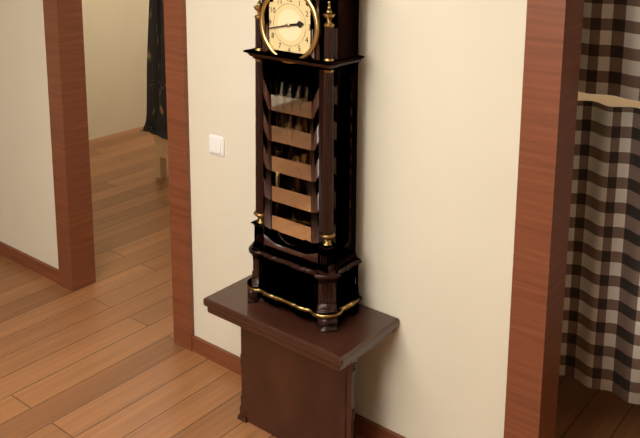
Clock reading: {"hour": 2, "minute": 43}
